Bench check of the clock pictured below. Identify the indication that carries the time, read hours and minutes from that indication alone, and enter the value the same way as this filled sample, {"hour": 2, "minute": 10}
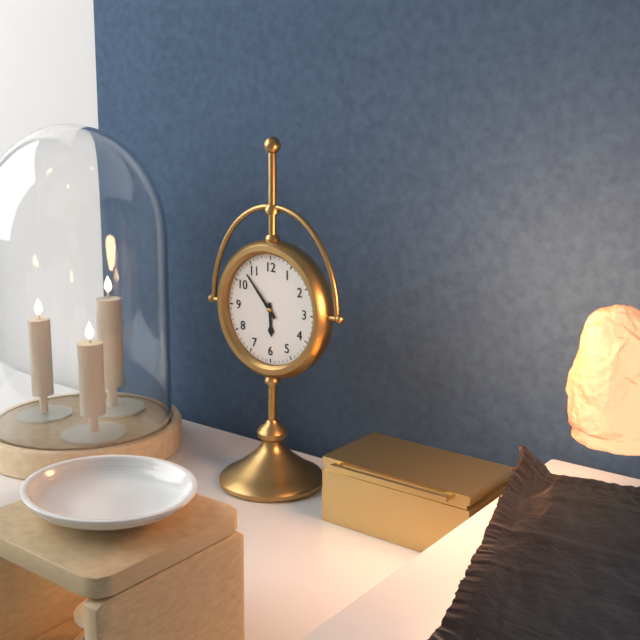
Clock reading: {"hour": 5, "minute": 53}
